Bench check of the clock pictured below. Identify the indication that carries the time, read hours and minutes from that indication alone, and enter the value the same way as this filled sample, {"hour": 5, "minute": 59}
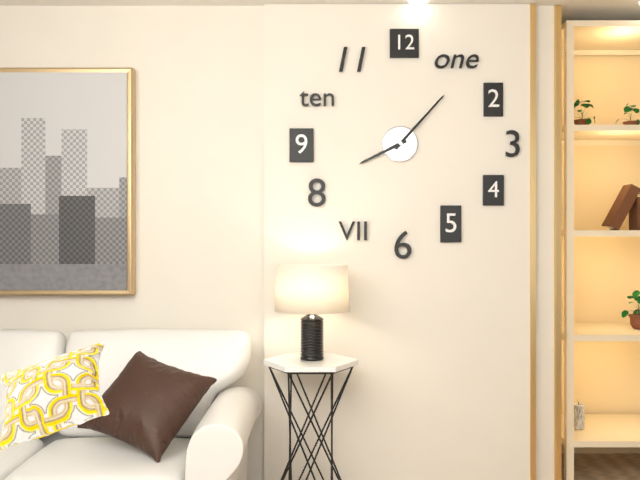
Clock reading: {"hour": 8, "minute": 7}
